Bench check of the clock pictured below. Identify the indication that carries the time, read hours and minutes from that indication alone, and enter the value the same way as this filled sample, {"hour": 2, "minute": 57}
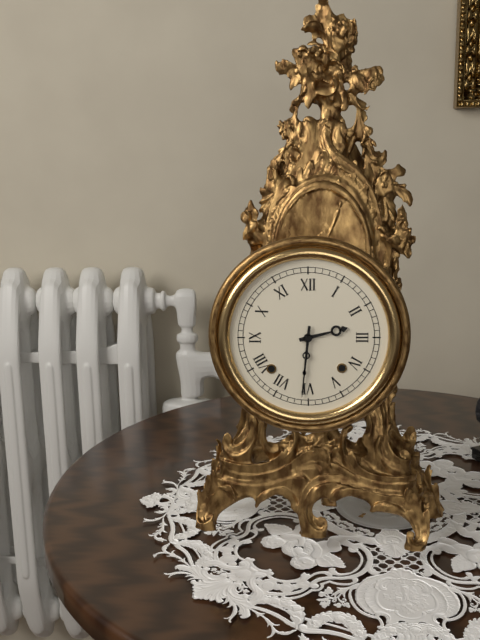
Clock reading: {"hour": 2, "minute": 31}
